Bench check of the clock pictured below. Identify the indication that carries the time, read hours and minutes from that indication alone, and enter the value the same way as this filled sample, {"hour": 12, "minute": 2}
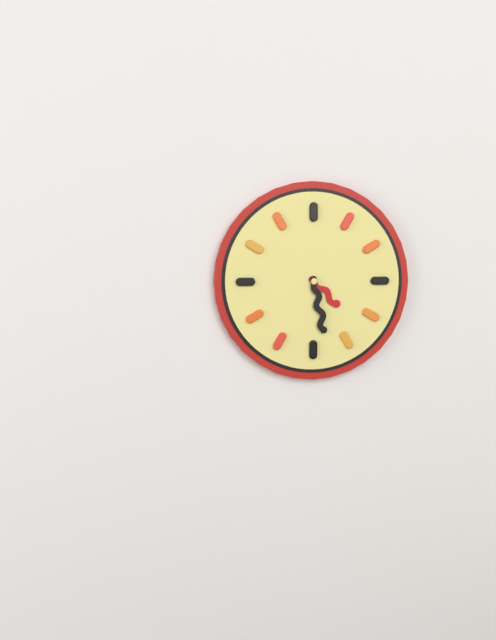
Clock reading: {"hour": 4, "minute": 28}
